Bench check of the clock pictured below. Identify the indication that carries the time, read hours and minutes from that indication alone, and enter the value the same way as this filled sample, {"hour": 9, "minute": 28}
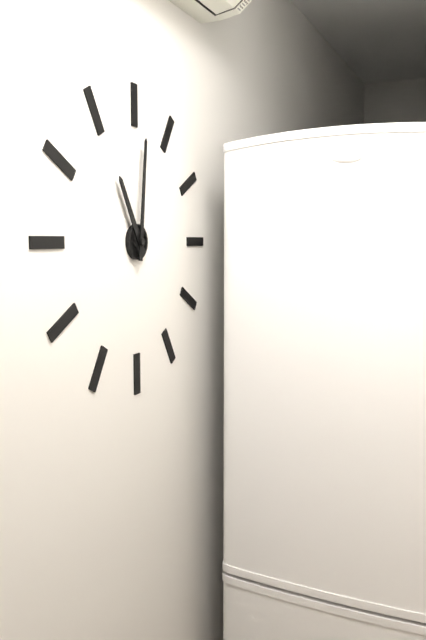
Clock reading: {"hour": 11, "minute": 1}
